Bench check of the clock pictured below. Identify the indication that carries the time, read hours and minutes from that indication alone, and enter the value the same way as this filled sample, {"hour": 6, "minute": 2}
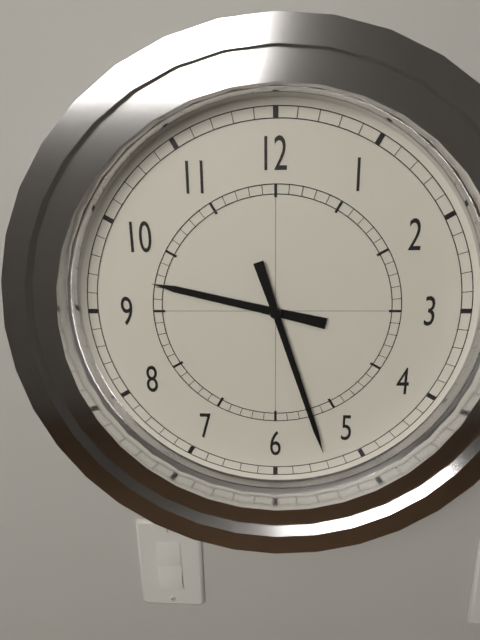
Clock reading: {"hour": 9, "minute": 27}
